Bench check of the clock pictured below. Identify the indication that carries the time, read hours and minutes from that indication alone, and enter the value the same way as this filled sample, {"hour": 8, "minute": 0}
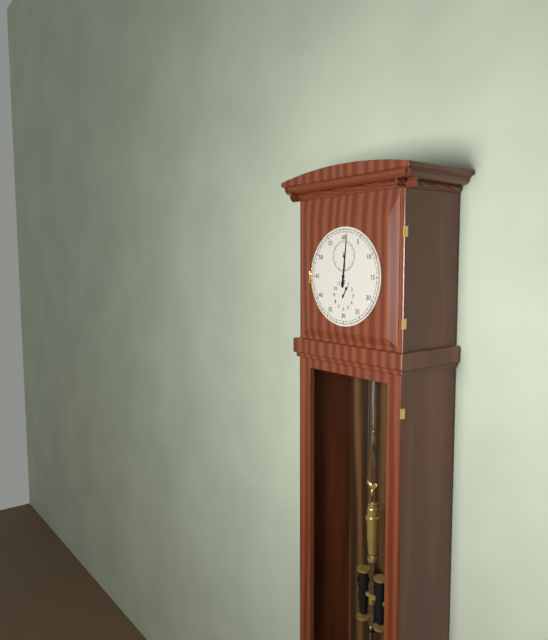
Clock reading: {"hour": 1, "minute": 1}
